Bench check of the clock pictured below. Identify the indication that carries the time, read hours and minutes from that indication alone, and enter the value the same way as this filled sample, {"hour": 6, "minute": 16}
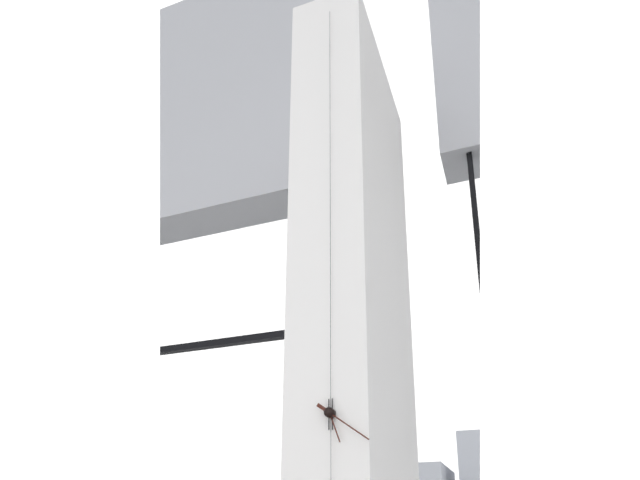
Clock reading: {"hour": 5, "minute": 21}
